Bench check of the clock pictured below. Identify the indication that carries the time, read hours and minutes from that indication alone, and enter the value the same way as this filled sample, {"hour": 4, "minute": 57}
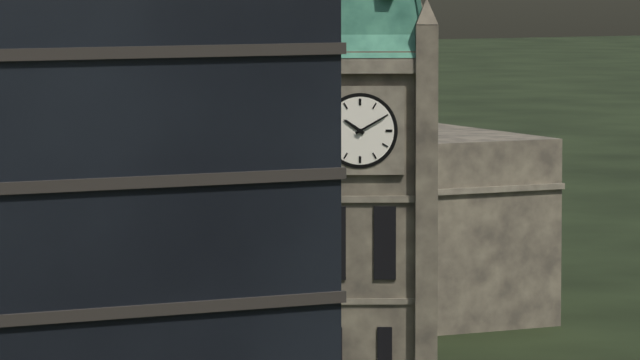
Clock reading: {"hour": 10, "minute": 10}
